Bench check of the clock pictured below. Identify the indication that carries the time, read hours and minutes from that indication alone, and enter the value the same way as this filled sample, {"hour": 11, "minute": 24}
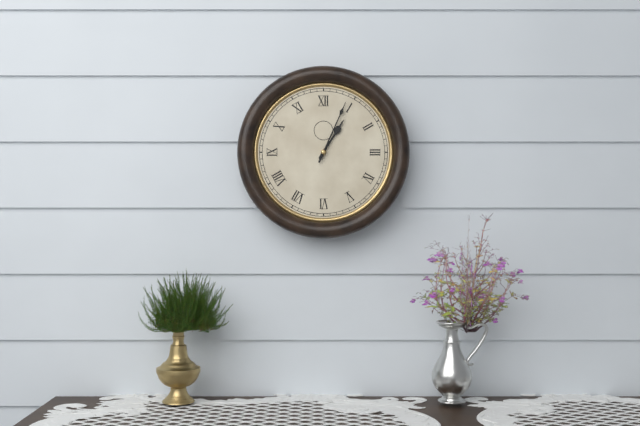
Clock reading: {"hour": 1, "minute": 4}
